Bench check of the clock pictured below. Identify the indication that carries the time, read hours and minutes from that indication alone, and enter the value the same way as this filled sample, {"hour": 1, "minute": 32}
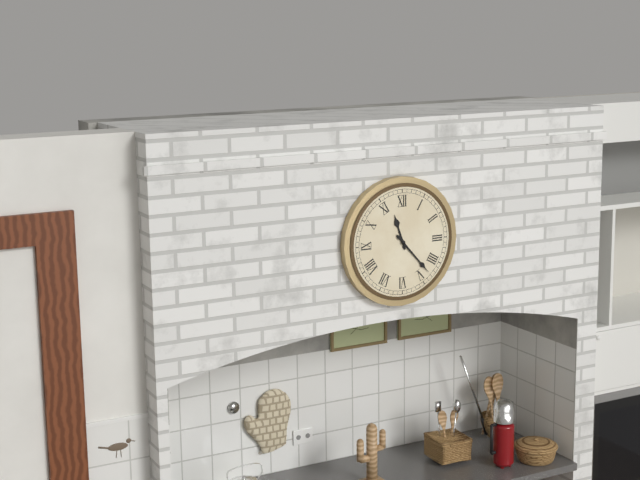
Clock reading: {"hour": 11, "minute": 23}
